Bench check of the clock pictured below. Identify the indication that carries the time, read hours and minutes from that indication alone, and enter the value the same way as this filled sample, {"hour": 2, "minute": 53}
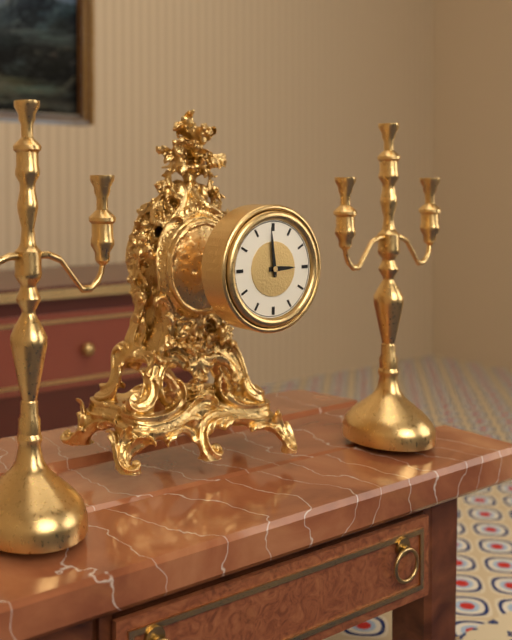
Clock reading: {"hour": 2, "minute": 59}
